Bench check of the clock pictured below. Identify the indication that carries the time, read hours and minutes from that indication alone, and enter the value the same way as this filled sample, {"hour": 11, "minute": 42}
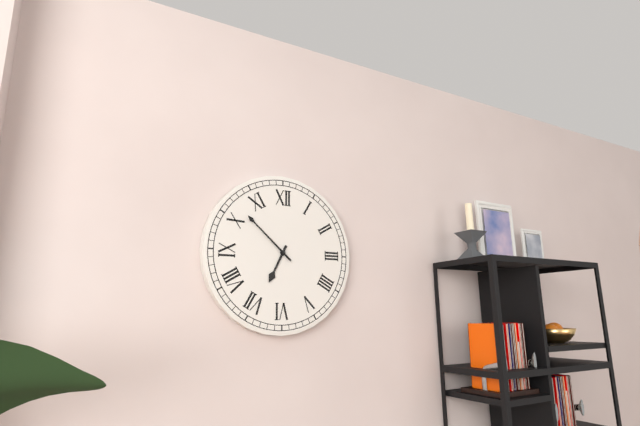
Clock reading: {"hour": 6, "minute": 52}
